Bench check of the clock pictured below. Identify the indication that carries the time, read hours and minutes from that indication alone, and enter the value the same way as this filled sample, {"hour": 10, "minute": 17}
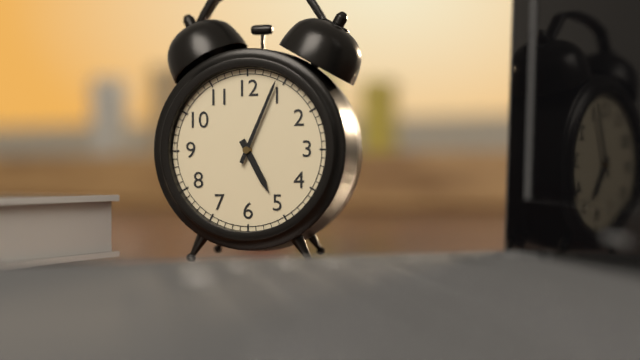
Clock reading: {"hour": 5, "minute": 4}
